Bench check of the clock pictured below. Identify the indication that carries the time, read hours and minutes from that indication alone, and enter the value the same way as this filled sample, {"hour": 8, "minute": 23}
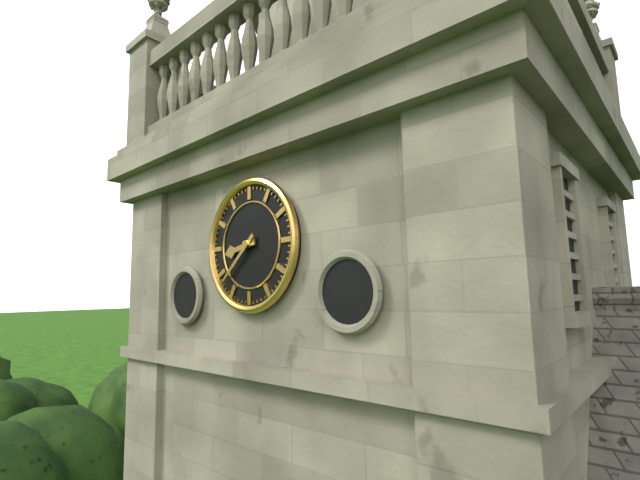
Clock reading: {"hour": 8, "minute": 38}
